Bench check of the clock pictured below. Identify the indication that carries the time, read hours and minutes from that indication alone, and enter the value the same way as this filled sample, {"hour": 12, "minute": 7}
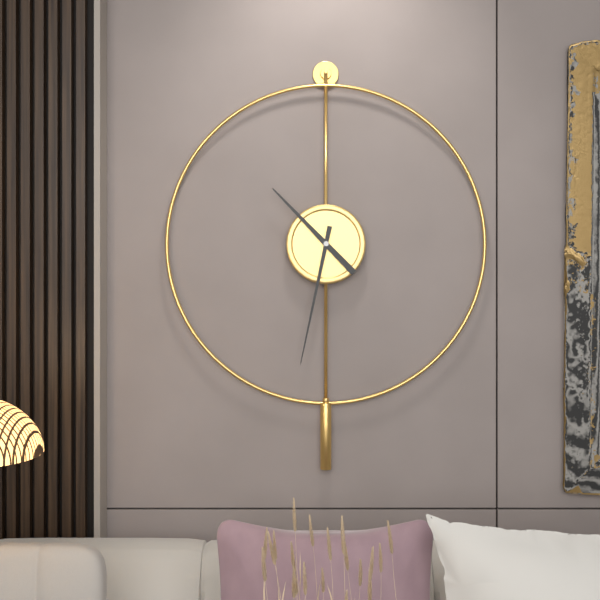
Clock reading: {"hour": 10, "minute": 32}
